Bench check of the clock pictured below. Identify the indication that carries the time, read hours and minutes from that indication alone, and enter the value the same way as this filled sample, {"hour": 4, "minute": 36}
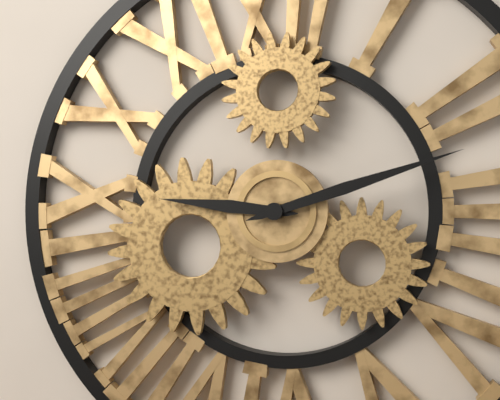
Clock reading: {"hour": 9, "minute": 12}
